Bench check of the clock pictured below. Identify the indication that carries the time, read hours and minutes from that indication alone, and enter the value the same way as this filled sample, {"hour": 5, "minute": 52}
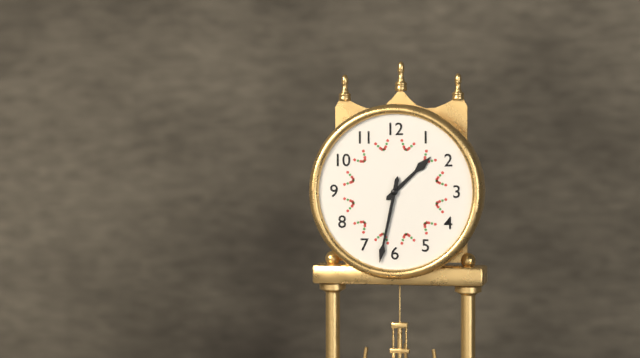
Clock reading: {"hour": 1, "minute": 32}
